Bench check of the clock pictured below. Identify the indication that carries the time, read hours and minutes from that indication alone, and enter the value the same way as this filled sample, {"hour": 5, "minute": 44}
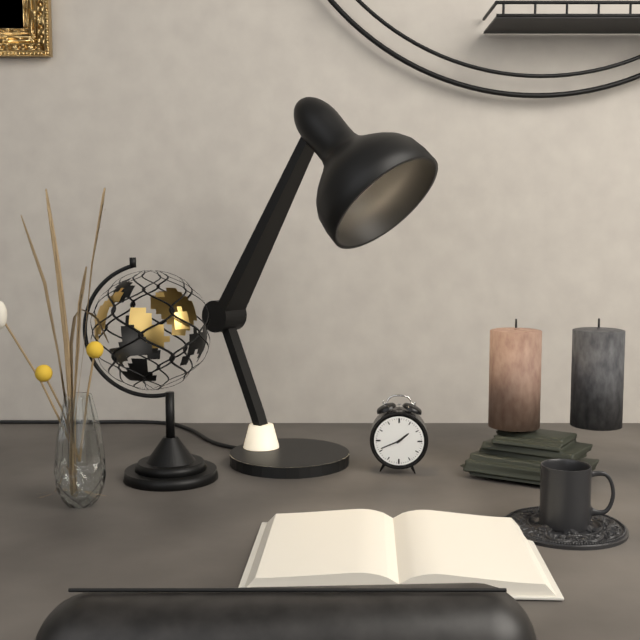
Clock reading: {"hour": 1, "minute": 41}
